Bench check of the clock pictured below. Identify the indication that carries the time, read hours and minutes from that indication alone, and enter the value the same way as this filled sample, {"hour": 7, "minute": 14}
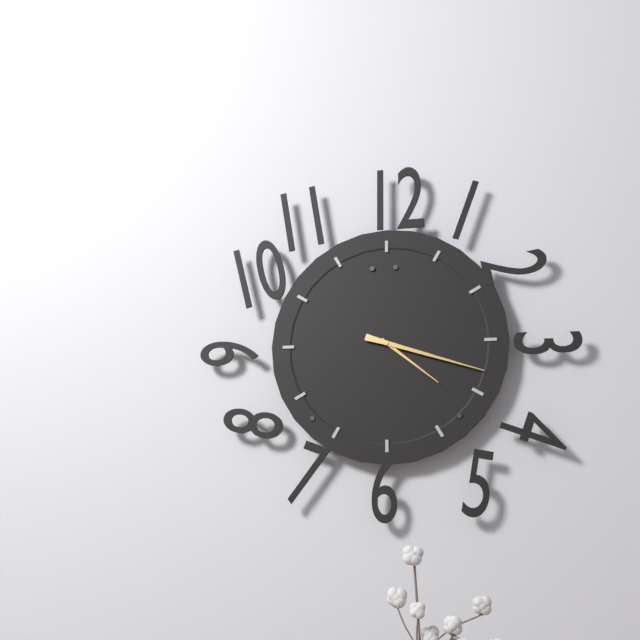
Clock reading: {"hour": 4, "minute": 18}
